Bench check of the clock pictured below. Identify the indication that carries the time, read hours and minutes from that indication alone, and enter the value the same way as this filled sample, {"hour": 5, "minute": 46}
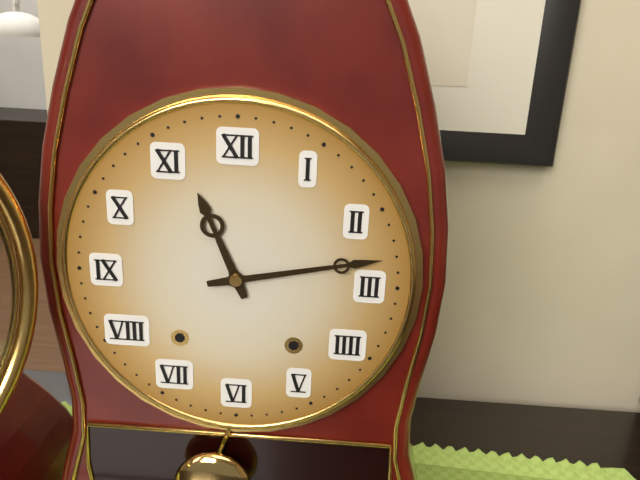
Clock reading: {"hour": 11, "minute": 13}
